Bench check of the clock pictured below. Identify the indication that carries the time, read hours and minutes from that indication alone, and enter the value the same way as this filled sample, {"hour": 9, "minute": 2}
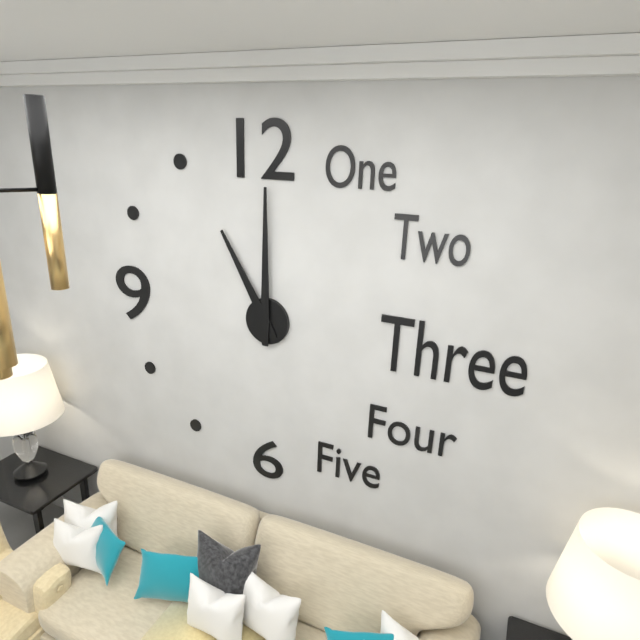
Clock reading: {"hour": 11, "minute": 0}
